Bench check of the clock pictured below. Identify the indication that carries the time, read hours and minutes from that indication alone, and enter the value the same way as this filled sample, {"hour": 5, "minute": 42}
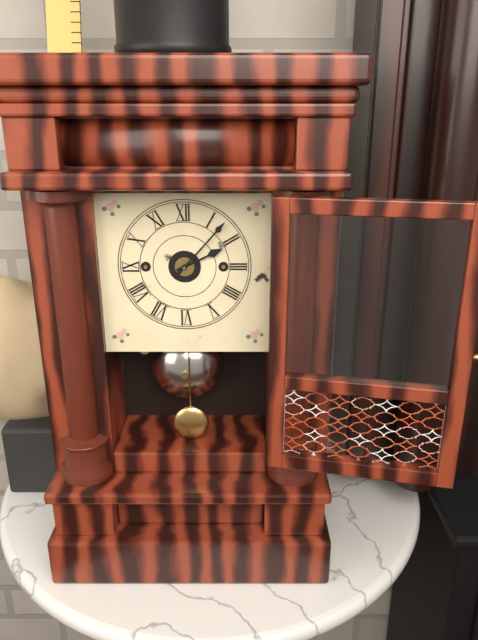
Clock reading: {"hour": 2, "minute": 7}
